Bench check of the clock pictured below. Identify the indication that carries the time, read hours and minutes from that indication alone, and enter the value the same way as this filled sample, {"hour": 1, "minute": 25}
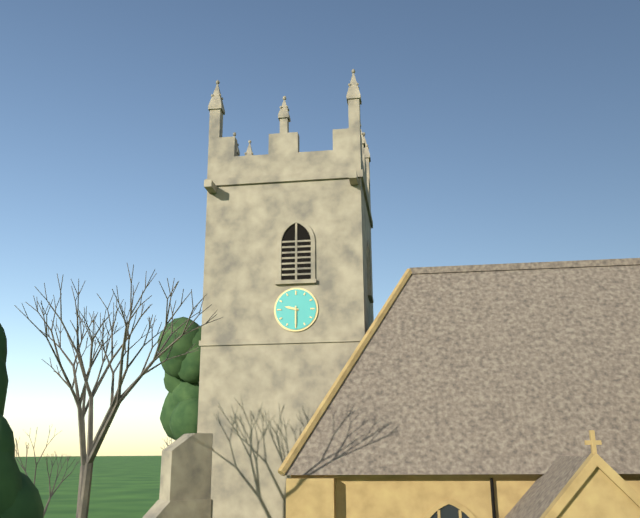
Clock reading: {"hour": 9, "minute": 30}
